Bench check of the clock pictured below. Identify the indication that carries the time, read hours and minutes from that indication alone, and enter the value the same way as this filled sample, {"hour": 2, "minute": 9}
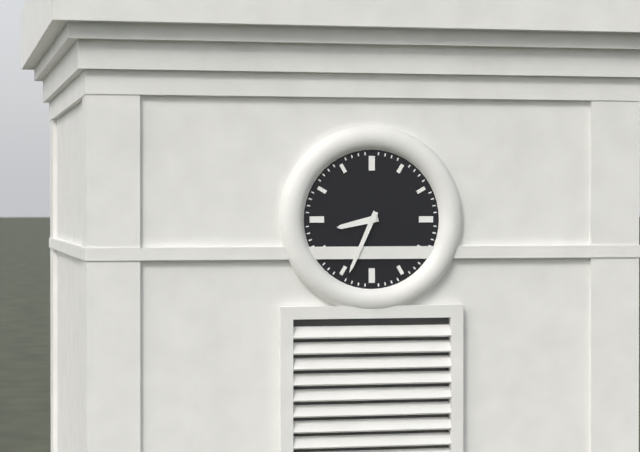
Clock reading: {"hour": 8, "minute": 34}
